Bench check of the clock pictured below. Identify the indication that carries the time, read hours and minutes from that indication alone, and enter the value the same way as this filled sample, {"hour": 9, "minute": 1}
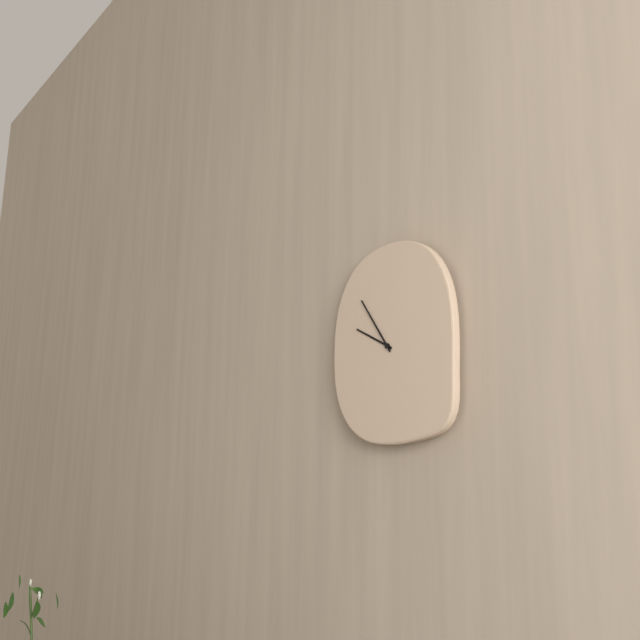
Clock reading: {"hour": 9, "minute": 54}
